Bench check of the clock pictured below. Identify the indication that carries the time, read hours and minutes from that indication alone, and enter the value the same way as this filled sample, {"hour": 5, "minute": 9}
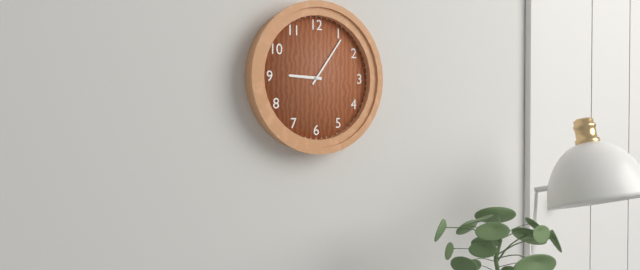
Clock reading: {"hour": 9, "minute": 6}
